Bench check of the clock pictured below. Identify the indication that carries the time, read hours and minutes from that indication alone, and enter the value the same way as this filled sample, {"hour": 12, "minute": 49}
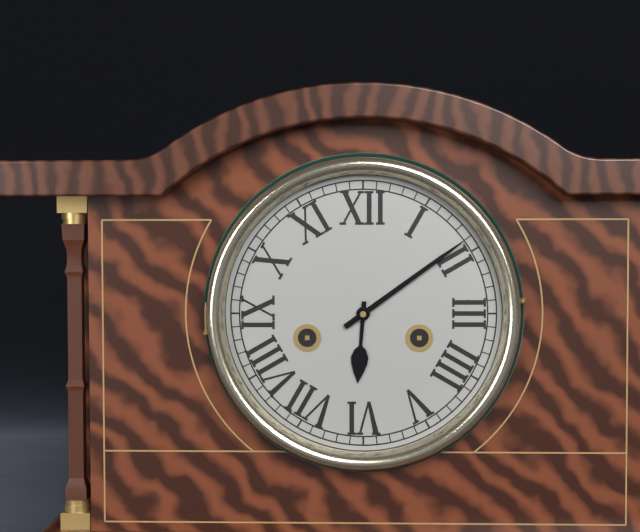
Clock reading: {"hour": 6, "minute": 9}
